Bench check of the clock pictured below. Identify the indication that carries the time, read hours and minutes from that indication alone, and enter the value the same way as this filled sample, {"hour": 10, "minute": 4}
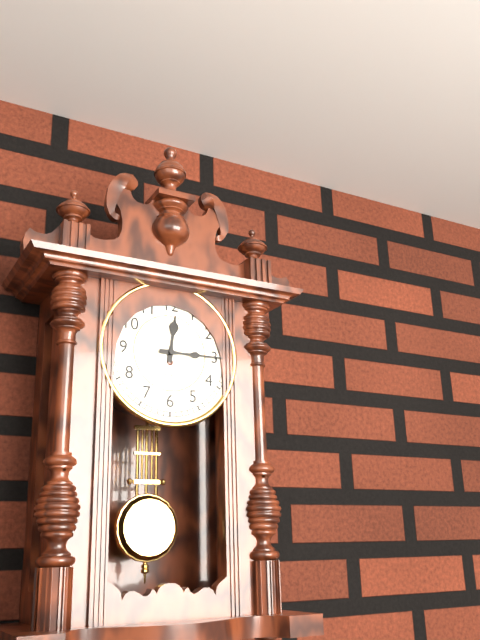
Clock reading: {"hour": 12, "minute": 15}
